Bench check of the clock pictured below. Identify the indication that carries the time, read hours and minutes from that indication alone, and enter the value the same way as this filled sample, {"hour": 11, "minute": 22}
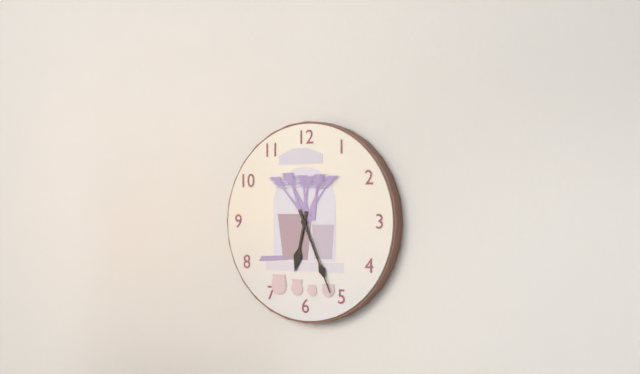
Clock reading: {"hour": 6, "minute": 26}
